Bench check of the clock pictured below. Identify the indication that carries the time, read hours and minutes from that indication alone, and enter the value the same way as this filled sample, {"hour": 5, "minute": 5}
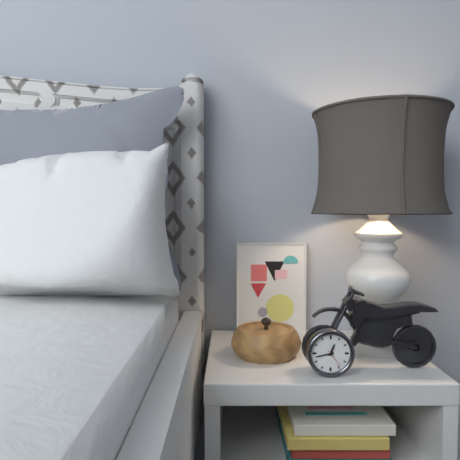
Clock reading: {"hour": 12, "minute": 43}
